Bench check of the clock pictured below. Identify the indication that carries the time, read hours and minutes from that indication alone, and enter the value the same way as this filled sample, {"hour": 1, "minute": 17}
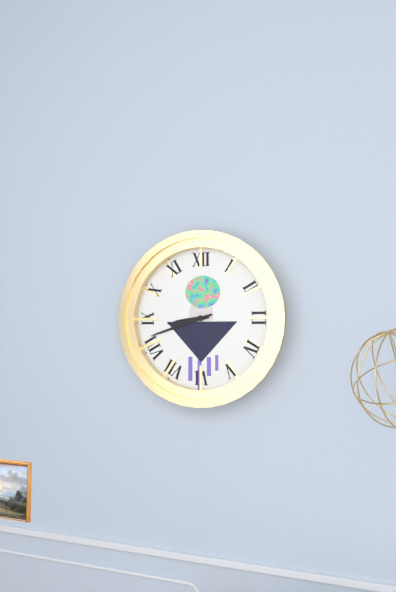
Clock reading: {"hour": 8, "minute": 42}
